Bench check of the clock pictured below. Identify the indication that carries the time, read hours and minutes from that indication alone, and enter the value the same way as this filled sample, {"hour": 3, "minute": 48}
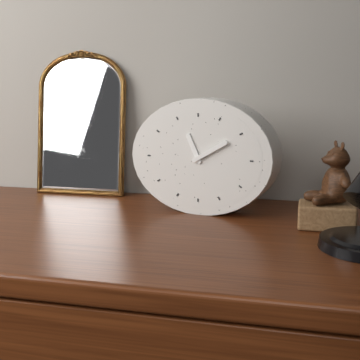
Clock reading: {"hour": 11, "minute": 10}
